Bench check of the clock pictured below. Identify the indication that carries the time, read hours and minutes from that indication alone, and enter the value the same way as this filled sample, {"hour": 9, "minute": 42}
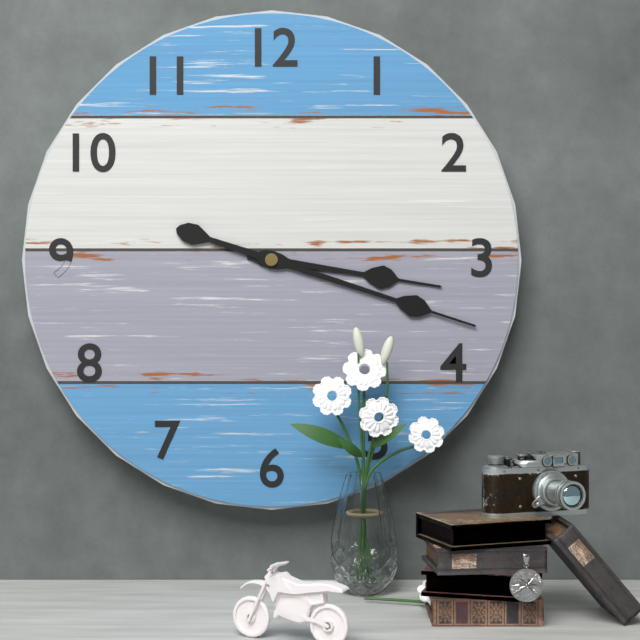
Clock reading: {"hour": 3, "minute": 18}
